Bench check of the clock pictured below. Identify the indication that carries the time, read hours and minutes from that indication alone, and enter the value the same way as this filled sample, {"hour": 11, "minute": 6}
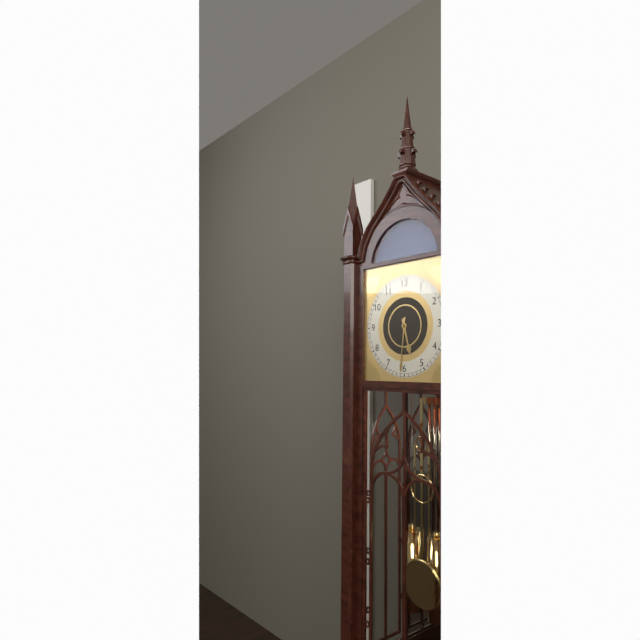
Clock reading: {"hour": 5, "minute": 31}
